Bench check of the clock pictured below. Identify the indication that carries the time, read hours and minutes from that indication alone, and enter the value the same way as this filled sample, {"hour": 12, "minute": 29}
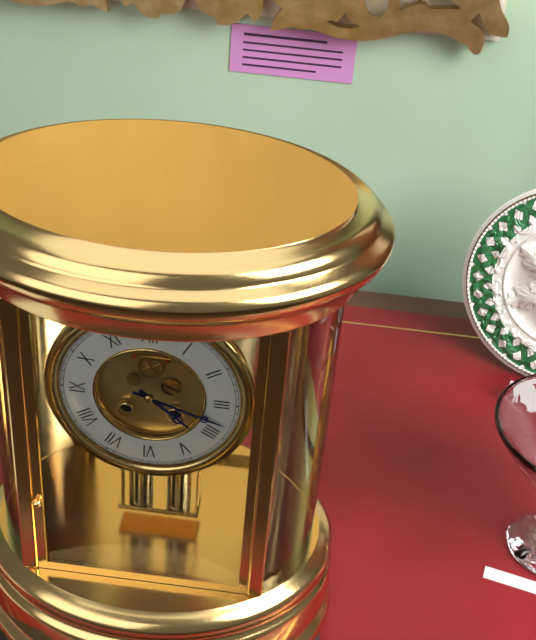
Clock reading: {"hour": 4, "minute": 18}
